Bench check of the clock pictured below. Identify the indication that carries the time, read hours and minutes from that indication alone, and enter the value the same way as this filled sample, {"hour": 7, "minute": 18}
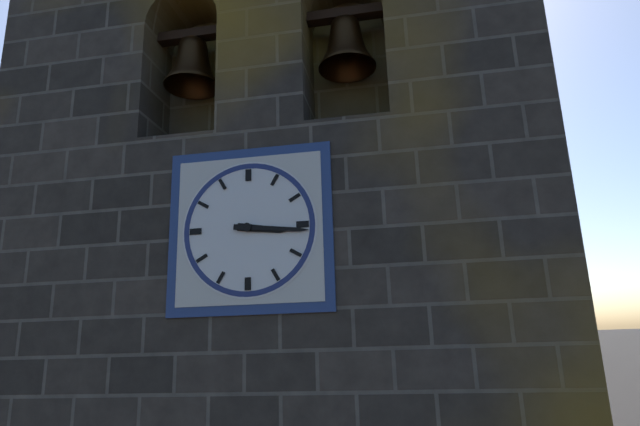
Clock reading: {"hour": 3, "minute": 16}
